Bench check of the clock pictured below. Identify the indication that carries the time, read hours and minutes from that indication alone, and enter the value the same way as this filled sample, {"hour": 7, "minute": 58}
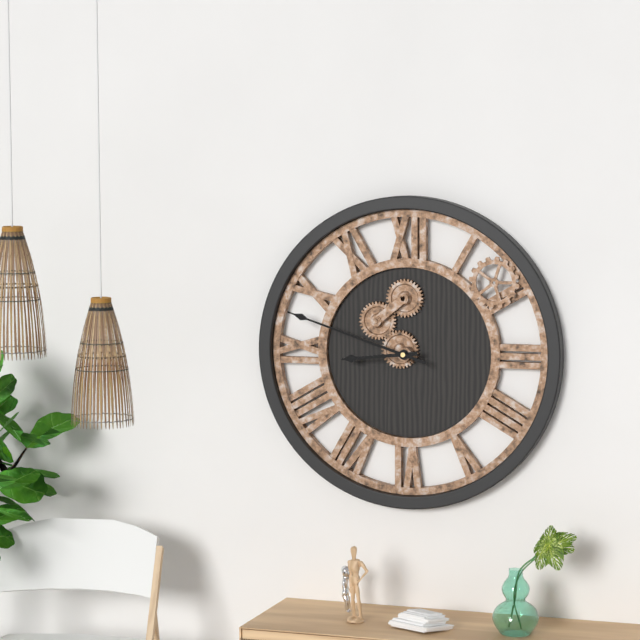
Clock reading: {"hour": 8, "minute": 48}
